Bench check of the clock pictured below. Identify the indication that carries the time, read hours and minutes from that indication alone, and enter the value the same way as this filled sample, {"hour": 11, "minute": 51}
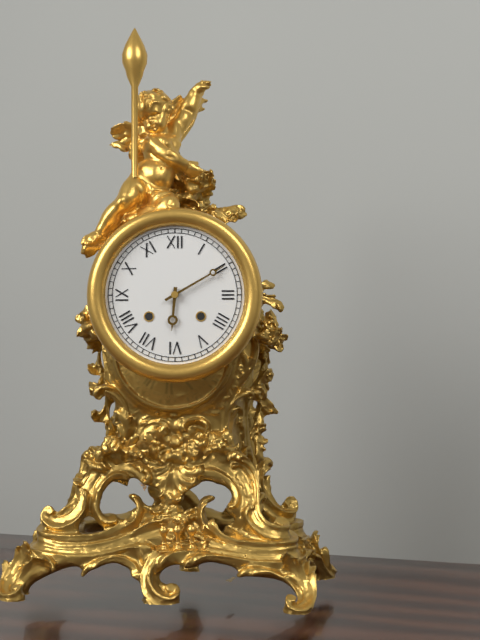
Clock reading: {"hour": 6, "minute": 10}
